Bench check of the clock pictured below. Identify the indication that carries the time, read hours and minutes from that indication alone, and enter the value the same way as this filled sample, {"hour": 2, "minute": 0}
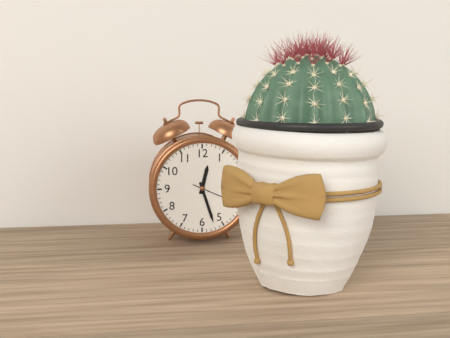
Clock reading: {"hour": 12, "minute": 27}
